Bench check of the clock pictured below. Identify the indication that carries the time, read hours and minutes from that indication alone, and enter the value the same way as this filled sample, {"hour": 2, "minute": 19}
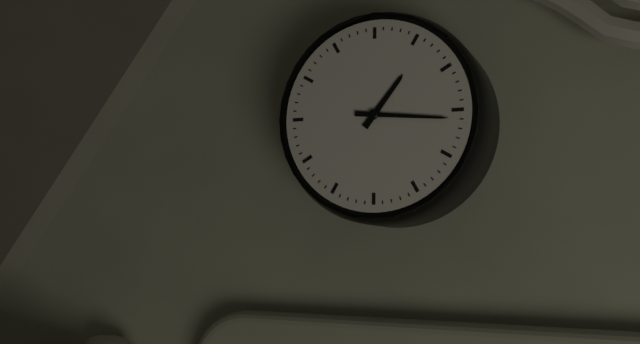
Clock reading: {"hour": 1, "minute": 16}
